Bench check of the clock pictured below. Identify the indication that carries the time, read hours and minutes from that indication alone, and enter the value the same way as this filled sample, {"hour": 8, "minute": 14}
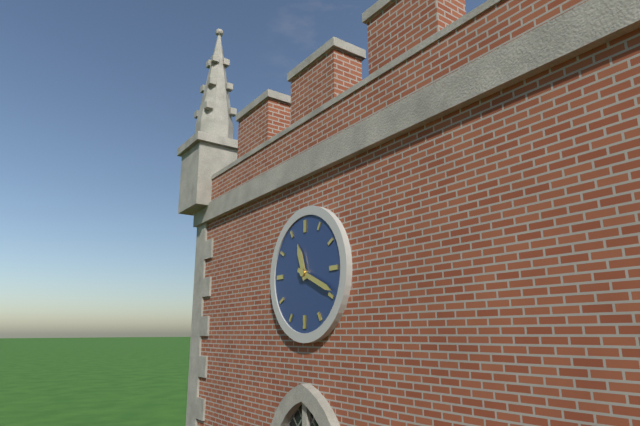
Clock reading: {"hour": 11, "minute": 19}
